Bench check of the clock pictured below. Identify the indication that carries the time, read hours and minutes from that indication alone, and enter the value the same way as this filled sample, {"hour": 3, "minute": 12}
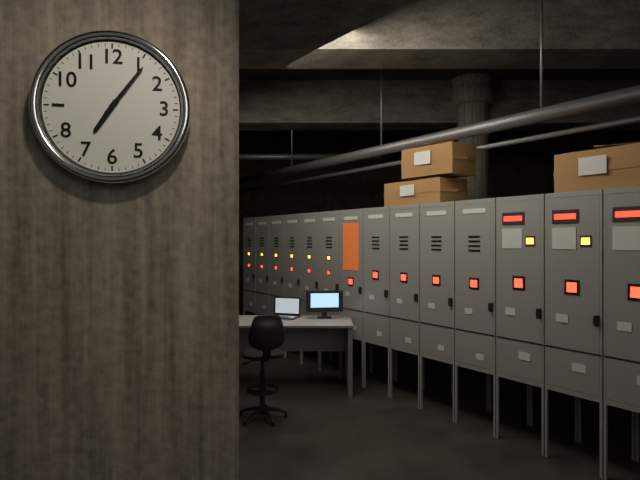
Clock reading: {"hour": 7, "minute": 6}
